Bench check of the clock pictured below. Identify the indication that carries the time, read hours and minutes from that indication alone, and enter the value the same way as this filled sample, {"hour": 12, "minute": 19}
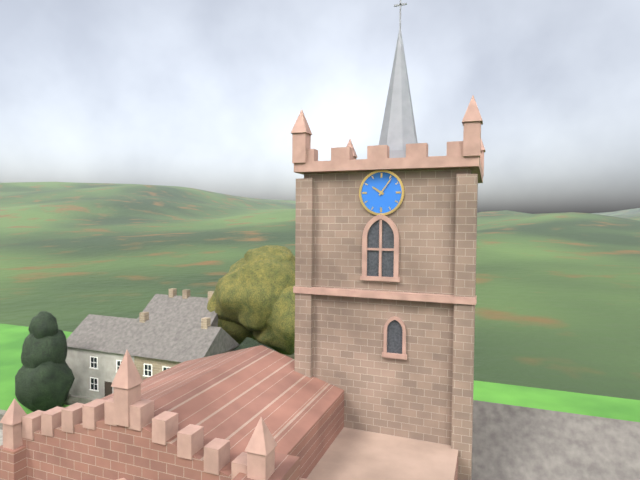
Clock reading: {"hour": 10, "minute": 6}
